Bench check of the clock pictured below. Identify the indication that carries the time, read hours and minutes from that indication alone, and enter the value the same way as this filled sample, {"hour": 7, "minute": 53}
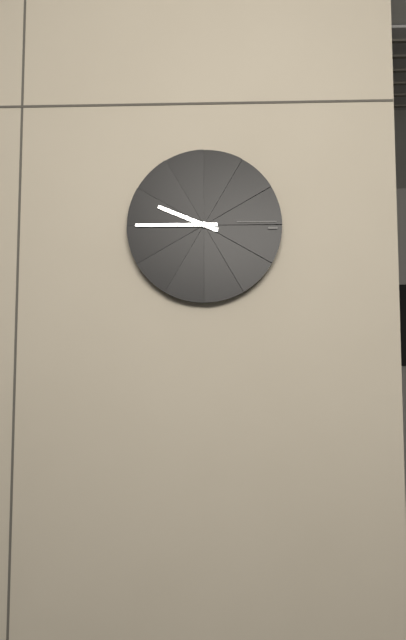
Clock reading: {"hour": 9, "minute": 45}
